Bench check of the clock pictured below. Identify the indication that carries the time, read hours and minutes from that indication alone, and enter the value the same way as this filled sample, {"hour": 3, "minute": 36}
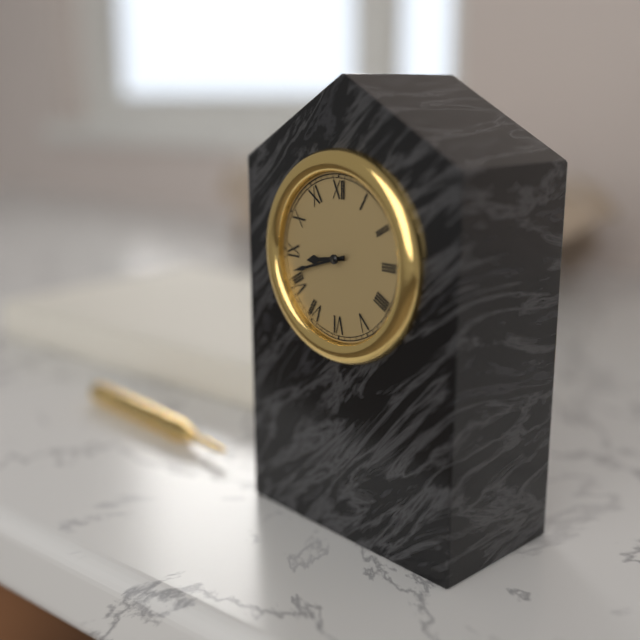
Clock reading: {"hour": 8, "minute": 42}
